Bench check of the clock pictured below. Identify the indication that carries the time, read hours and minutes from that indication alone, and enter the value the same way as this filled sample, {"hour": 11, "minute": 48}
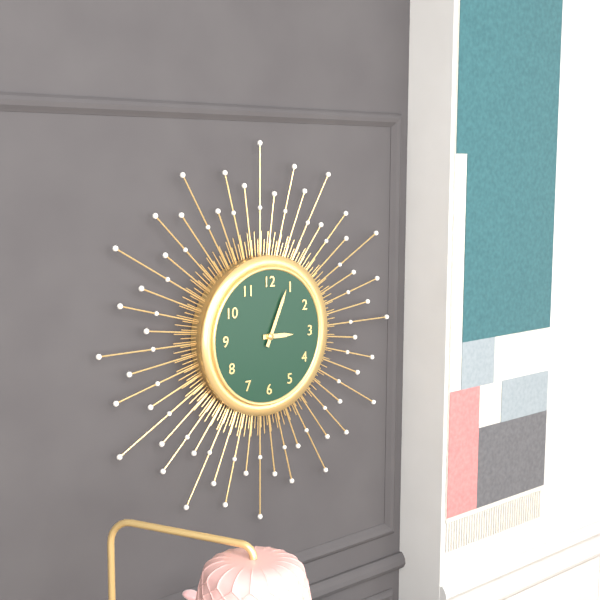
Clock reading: {"hour": 3, "minute": 4}
